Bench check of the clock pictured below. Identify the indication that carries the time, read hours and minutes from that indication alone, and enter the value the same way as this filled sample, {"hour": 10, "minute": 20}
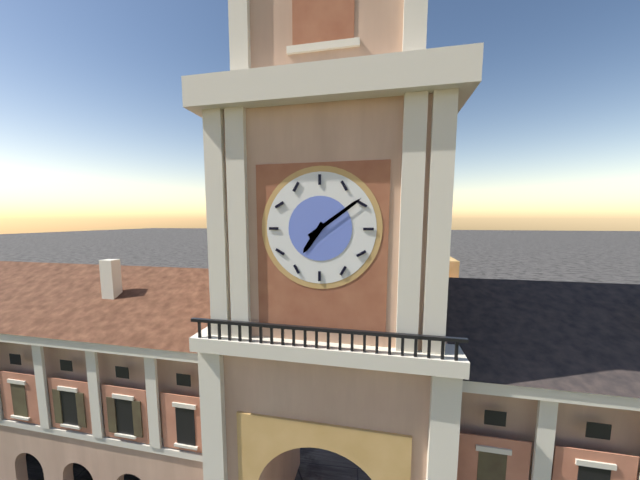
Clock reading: {"hour": 7, "minute": 9}
